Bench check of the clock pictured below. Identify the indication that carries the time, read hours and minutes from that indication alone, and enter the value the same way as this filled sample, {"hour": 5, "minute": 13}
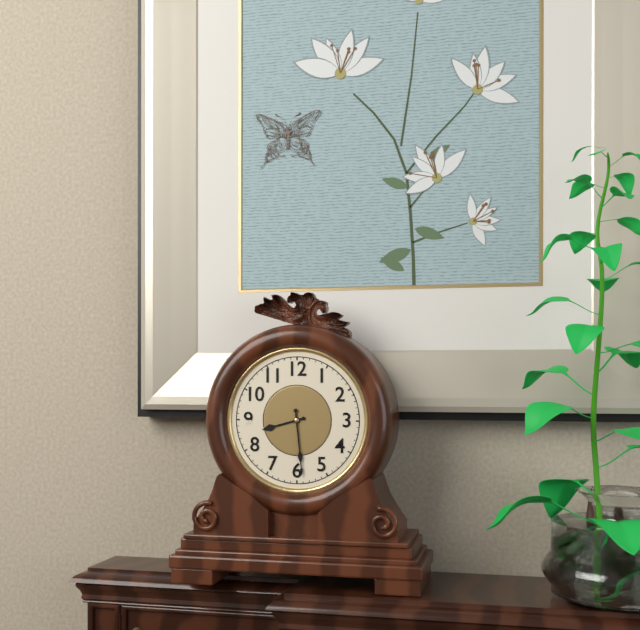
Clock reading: {"hour": 8, "minute": 29}
